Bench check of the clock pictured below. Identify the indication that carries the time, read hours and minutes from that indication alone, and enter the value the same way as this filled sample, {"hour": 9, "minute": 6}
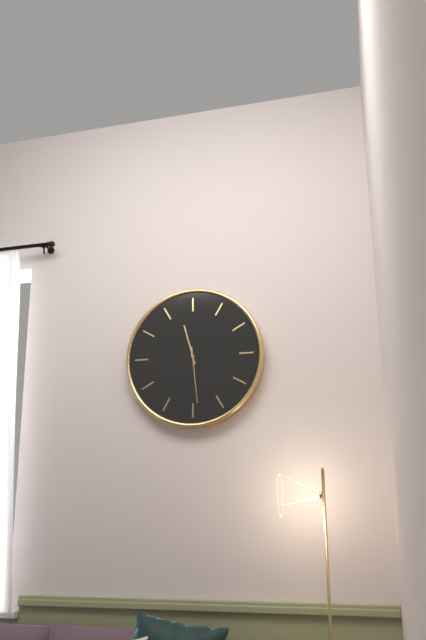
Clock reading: {"hour": 11, "minute": 29}
